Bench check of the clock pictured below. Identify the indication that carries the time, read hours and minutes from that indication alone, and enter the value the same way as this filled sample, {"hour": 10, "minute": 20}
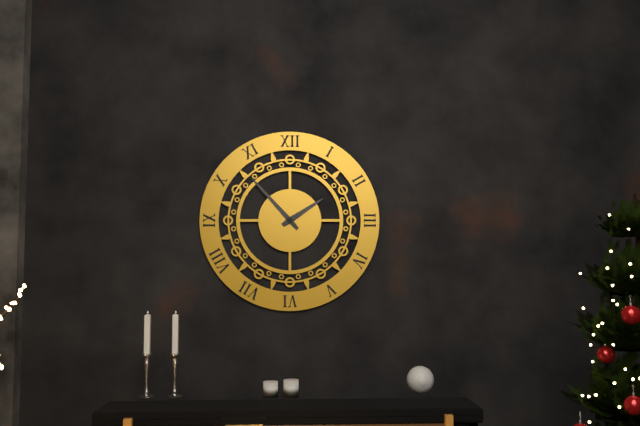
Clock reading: {"hour": 1, "minute": 53}
